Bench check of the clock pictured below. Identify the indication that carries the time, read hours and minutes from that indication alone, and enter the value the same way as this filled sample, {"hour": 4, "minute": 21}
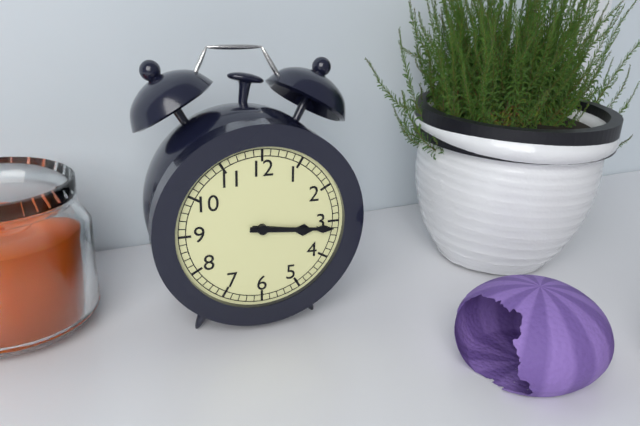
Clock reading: {"hour": 3, "minute": 16}
